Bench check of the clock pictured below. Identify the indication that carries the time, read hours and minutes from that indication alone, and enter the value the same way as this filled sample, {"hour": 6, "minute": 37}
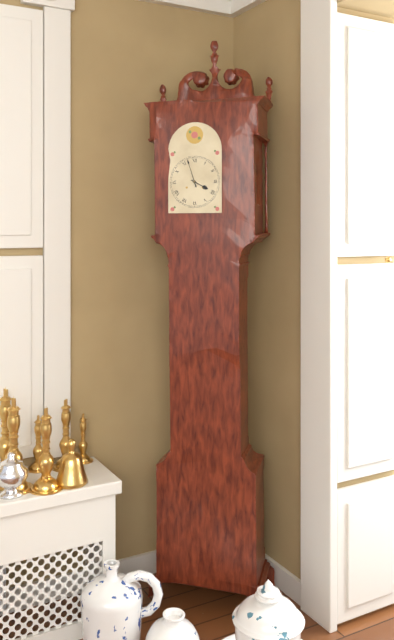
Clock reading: {"hour": 3, "minute": 57}
